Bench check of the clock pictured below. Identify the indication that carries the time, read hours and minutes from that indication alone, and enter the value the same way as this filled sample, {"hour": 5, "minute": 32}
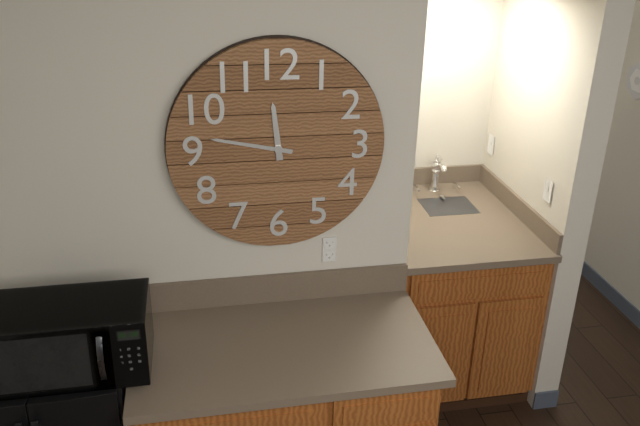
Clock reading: {"hour": 11, "minute": 47}
